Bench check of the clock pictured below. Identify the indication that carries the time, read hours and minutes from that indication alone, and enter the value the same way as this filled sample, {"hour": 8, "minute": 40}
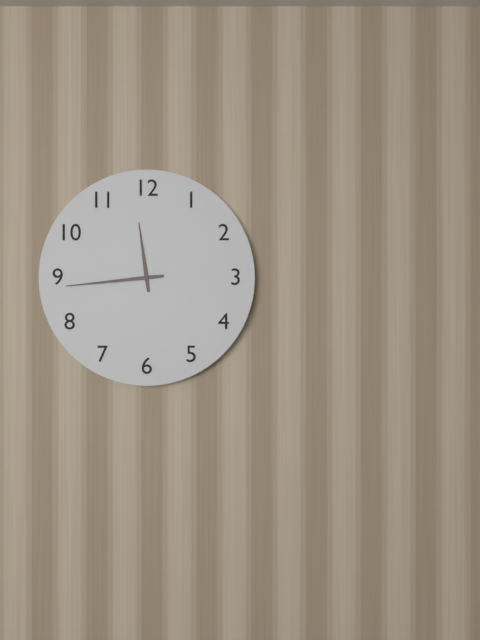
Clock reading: {"hour": 11, "minute": 44}
